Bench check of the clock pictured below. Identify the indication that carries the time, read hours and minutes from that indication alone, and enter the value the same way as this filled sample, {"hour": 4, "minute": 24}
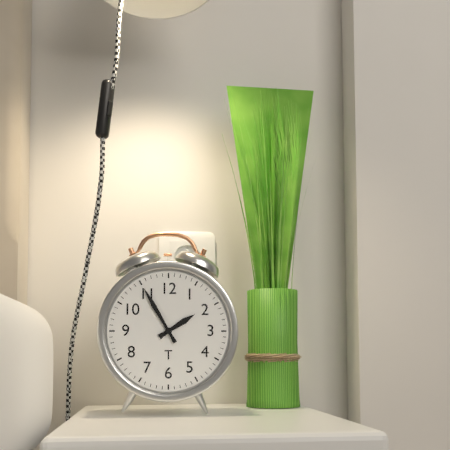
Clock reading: {"hour": 1, "minute": 55}
